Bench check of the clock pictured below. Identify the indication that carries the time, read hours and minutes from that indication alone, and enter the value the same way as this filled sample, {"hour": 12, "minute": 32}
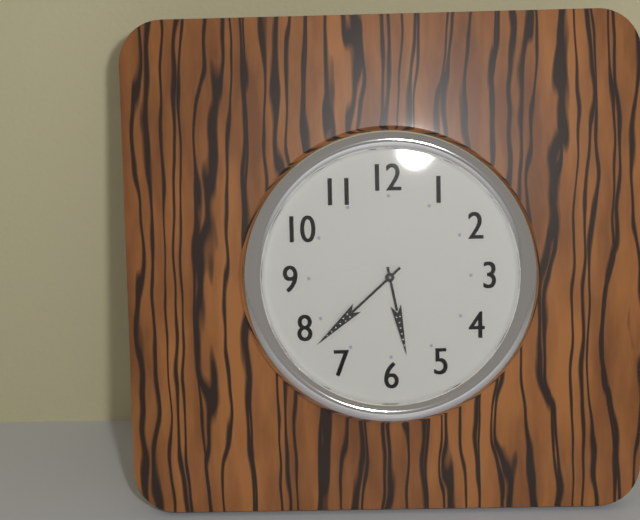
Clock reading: {"hour": 5, "minute": 38}
